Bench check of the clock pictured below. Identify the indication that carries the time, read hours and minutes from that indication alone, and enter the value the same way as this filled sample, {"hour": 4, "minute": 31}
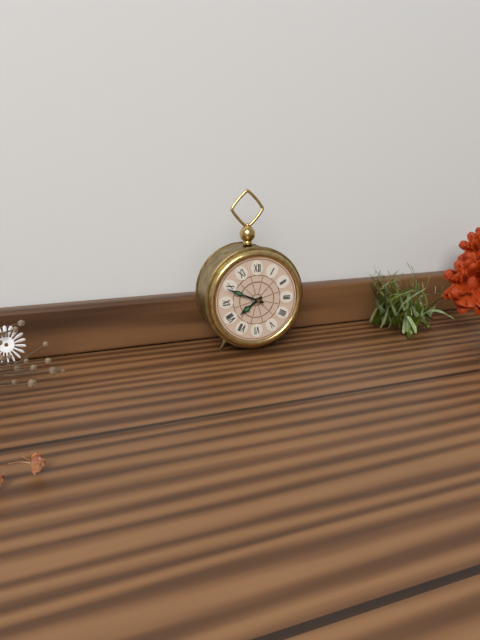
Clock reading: {"hour": 7, "minute": 49}
